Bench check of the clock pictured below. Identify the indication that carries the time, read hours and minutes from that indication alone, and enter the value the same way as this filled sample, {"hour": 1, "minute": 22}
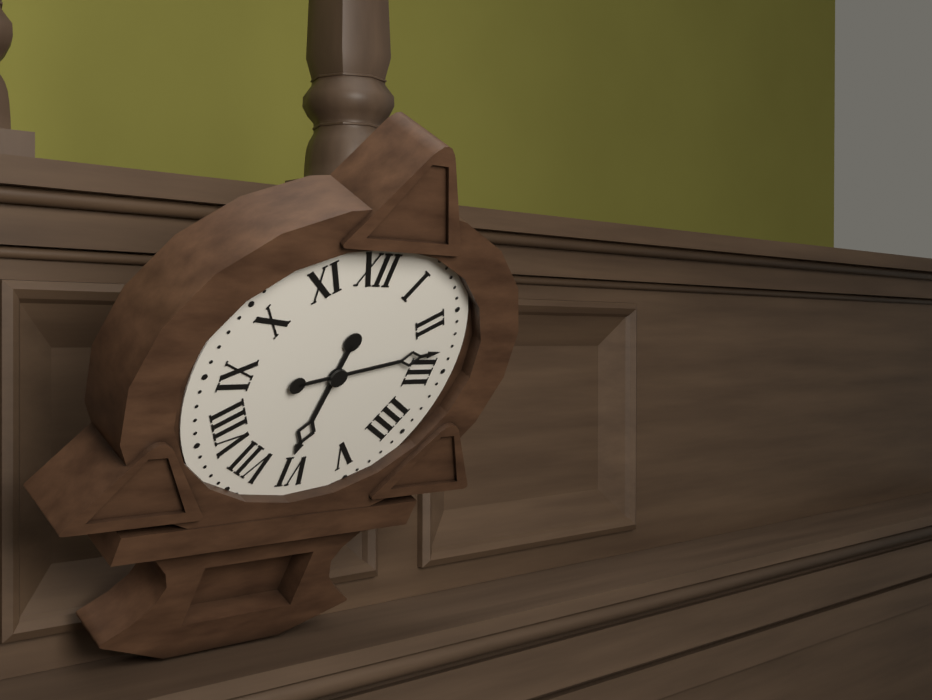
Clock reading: {"hour": 6, "minute": 13}
